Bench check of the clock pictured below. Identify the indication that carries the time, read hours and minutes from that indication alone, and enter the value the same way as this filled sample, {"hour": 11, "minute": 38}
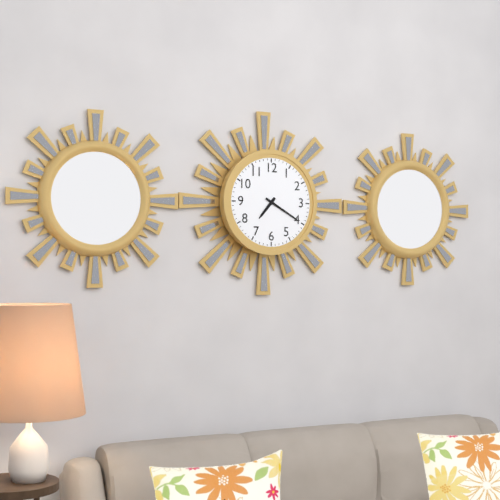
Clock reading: {"hour": 7, "minute": 20}
